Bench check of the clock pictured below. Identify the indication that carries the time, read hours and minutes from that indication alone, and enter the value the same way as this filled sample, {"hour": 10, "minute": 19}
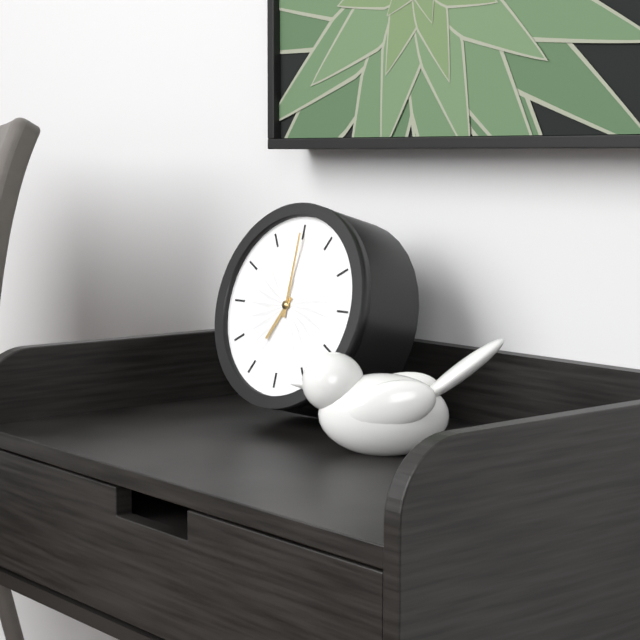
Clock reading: {"hour": 7, "minute": 0}
